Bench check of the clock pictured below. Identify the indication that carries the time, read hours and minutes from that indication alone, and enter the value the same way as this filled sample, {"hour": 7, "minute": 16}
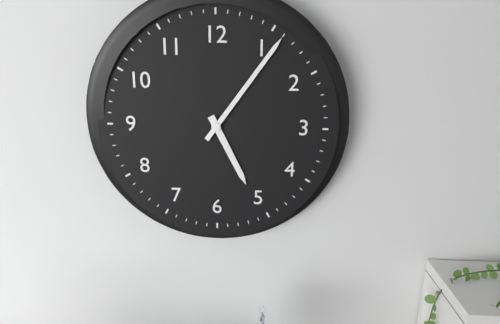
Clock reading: {"hour": 5, "minute": 6}
